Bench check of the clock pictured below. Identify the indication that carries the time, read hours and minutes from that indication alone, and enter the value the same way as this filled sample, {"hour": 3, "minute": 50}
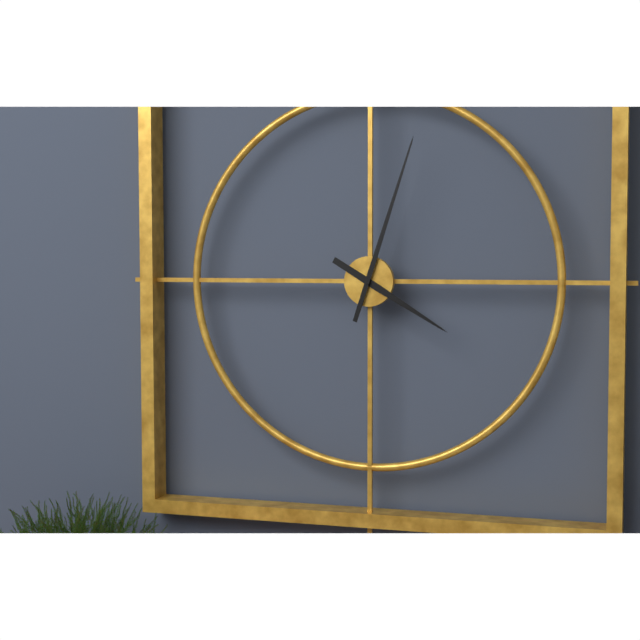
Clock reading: {"hour": 4, "minute": 3}
